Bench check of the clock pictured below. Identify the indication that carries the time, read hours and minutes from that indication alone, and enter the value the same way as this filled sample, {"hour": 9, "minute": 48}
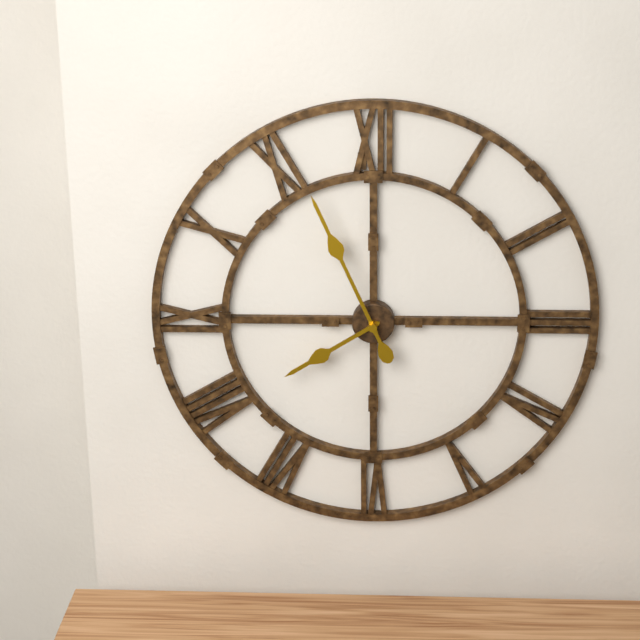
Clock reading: {"hour": 7, "minute": 56}
